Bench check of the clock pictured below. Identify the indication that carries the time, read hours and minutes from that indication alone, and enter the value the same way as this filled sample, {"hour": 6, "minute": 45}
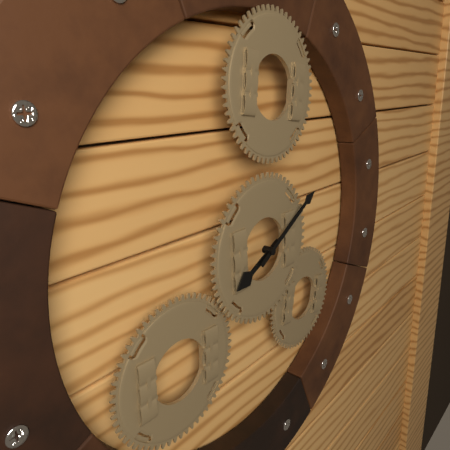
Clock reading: {"hour": 8, "minute": 10}
